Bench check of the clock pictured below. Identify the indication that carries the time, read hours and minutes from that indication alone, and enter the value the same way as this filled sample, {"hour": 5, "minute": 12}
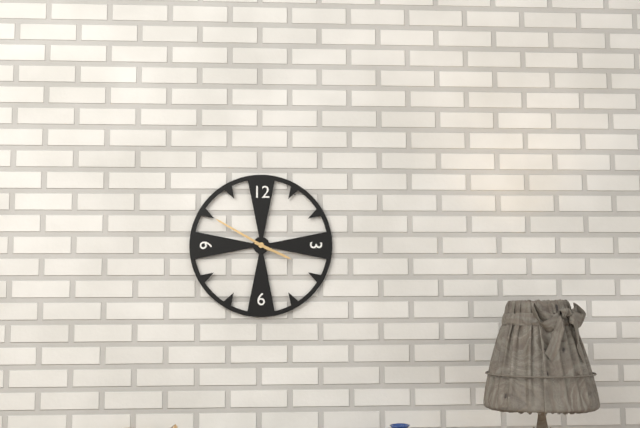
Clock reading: {"hour": 3, "minute": 50}
